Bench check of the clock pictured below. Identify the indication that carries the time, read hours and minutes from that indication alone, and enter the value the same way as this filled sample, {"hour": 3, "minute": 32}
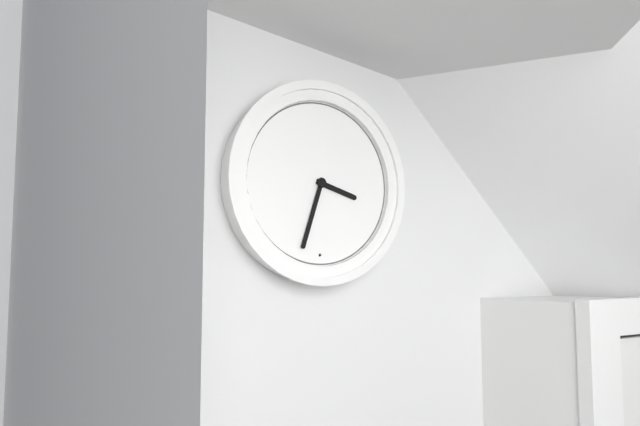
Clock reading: {"hour": 3, "minute": 33}
